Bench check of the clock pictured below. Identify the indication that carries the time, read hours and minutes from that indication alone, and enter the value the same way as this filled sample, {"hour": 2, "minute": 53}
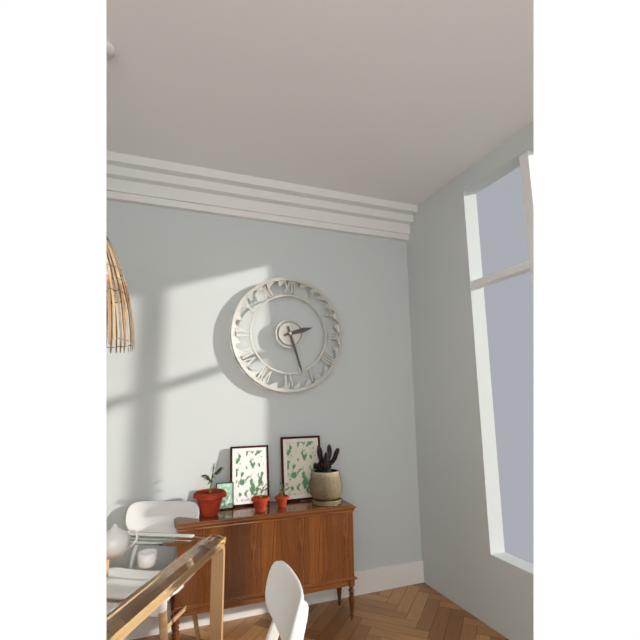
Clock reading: {"hour": 2, "minute": 27}
